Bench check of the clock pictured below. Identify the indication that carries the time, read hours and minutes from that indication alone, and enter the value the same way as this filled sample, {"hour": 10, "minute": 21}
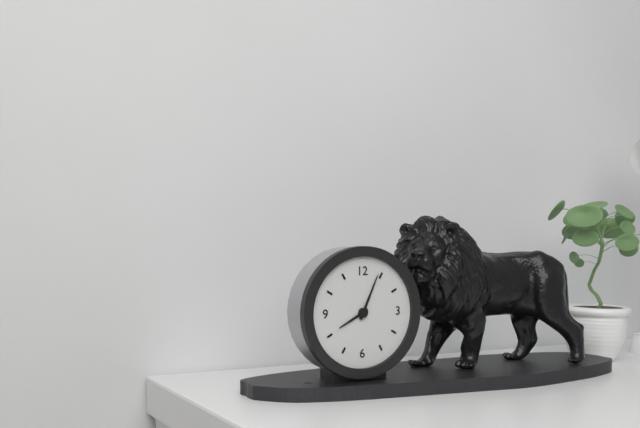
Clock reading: {"hour": 8, "minute": 4}
